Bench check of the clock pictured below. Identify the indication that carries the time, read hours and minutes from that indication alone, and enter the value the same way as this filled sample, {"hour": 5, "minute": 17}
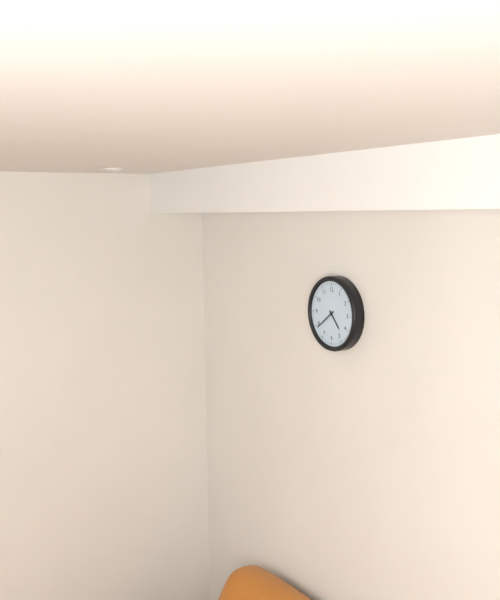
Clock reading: {"hour": 4, "minute": 39}
